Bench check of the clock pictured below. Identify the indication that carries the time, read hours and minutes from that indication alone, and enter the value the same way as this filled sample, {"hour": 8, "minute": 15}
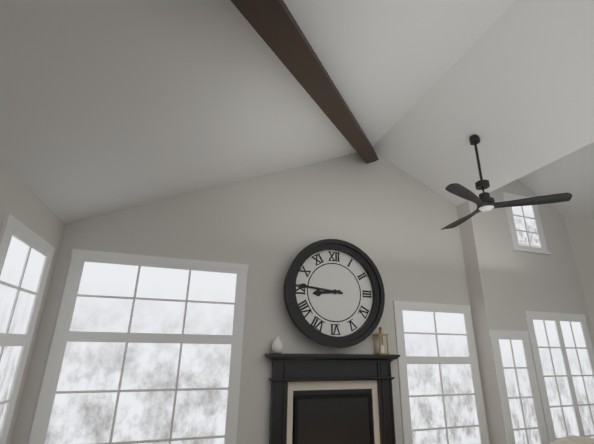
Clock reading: {"hour": 8, "minute": 46}
